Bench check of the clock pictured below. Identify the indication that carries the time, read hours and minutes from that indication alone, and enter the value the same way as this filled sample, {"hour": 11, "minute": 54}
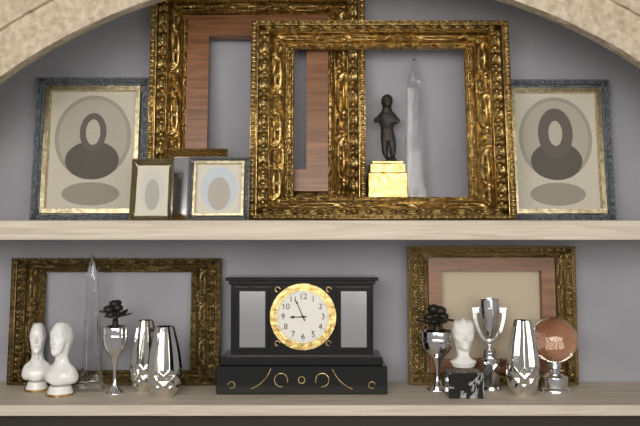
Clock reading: {"hour": 8, "minute": 56}
